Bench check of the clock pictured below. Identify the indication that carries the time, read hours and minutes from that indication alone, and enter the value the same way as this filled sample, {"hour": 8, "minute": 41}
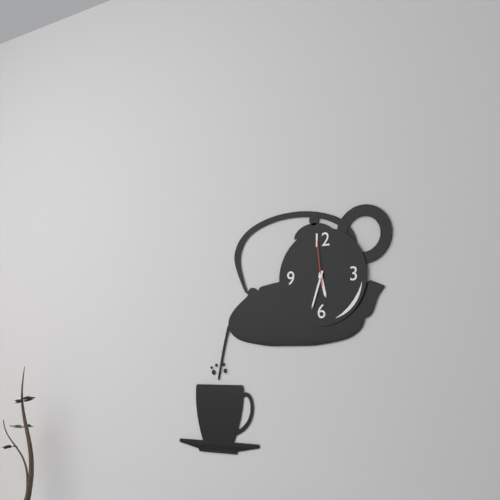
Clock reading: {"hour": 5, "minute": 33}
